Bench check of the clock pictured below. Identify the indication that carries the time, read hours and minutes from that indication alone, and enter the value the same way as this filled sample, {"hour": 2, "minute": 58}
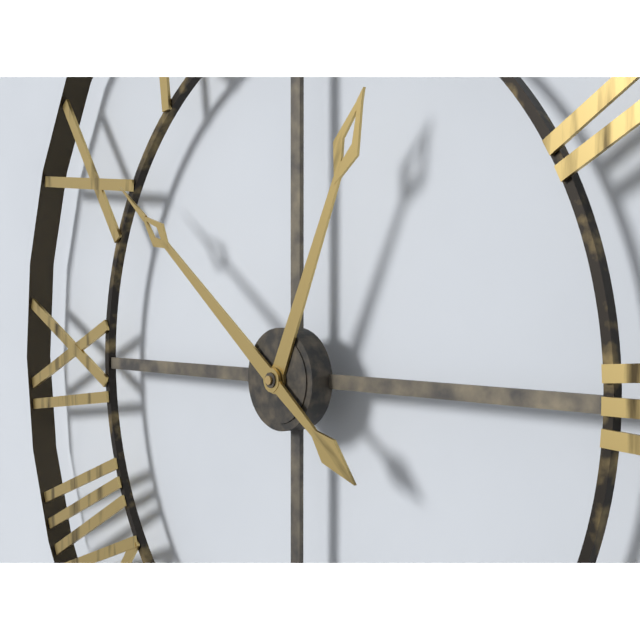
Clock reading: {"hour": 12, "minute": 51}
